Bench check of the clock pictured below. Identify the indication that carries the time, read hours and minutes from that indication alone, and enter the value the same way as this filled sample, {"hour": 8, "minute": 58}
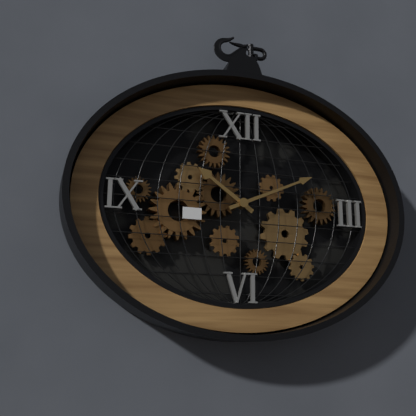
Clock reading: {"hour": 10, "minute": 11}
